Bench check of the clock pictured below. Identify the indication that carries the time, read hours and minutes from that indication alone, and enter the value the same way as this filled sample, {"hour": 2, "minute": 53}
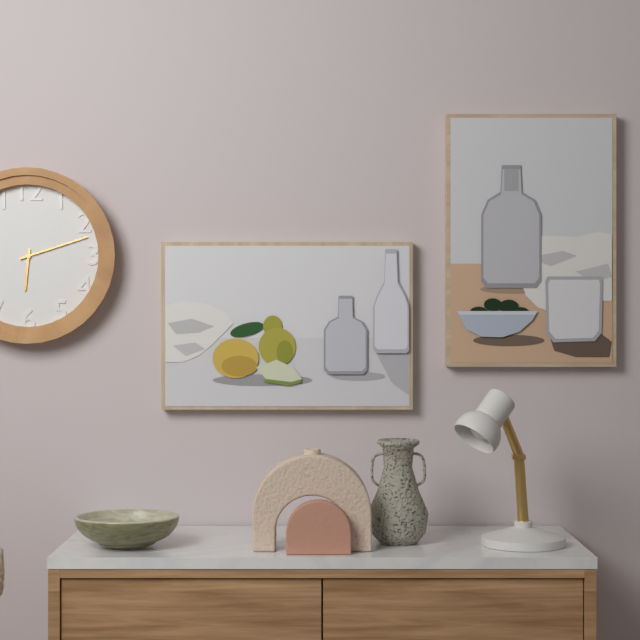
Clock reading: {"hour": 6, "minute": 12}
